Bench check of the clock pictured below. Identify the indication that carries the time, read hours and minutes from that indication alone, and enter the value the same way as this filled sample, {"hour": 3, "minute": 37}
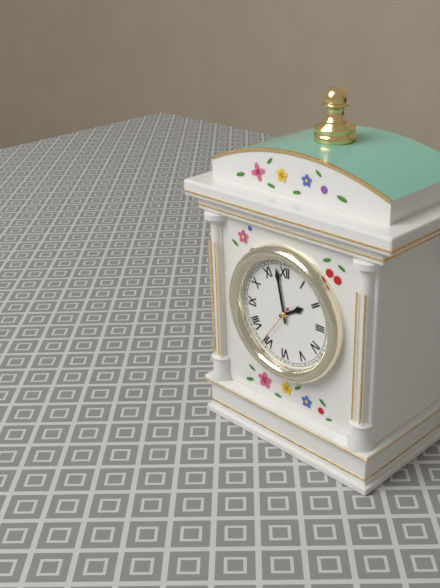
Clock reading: {"hour": 1, "minute": 58}
